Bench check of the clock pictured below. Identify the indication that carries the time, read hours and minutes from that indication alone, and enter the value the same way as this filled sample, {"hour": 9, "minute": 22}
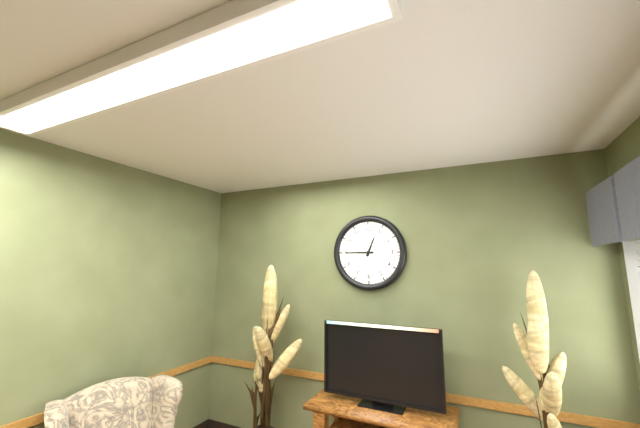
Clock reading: {"hour": 12, "minute": 45}
